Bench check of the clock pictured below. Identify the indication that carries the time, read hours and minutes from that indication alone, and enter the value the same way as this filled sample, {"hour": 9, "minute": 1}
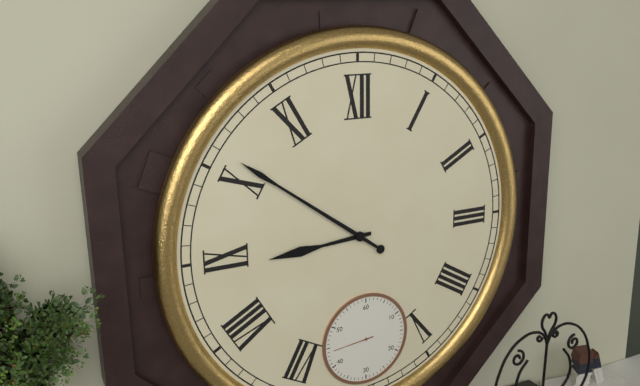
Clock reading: {"hour": 8, "minute": 51}
